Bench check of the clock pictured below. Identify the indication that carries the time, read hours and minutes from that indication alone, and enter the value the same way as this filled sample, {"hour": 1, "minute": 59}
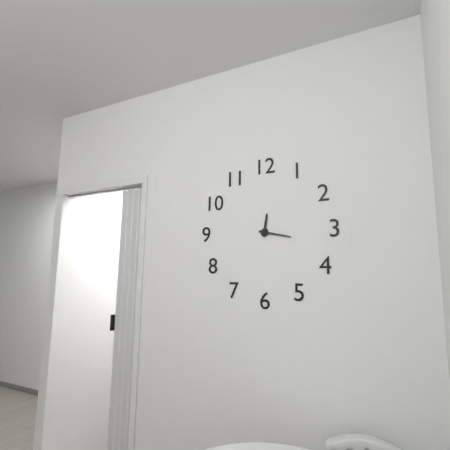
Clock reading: {"hour": 12, "minute": 17}
